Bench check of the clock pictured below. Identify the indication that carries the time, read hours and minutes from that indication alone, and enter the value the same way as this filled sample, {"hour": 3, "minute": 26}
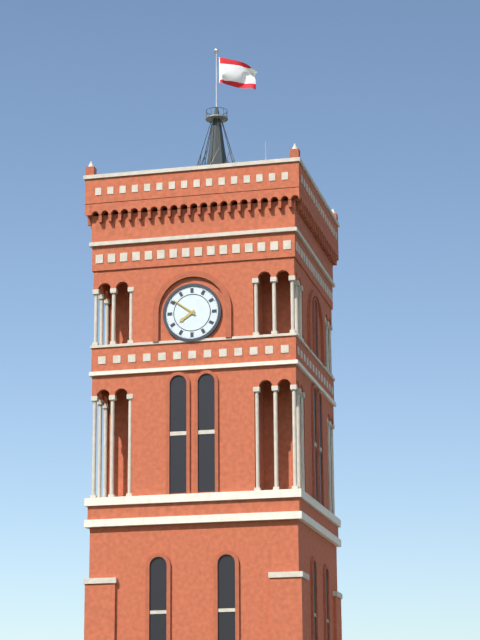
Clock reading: {"hour": 7, "minute": 51}
